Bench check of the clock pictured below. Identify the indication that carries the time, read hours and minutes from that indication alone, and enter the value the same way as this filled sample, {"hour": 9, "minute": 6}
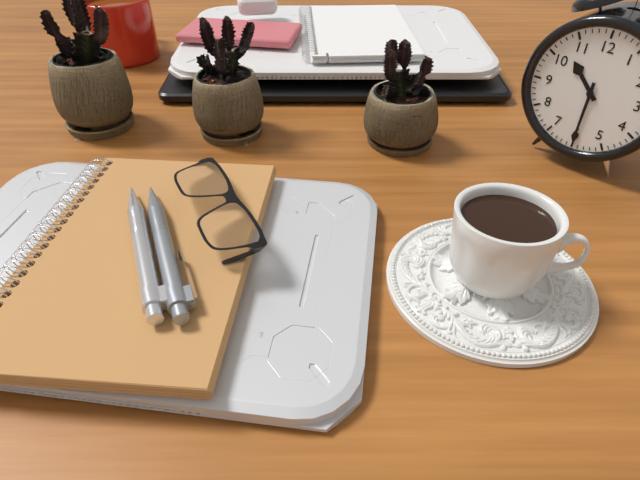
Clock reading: {"hour": 10, "minute": 30}
